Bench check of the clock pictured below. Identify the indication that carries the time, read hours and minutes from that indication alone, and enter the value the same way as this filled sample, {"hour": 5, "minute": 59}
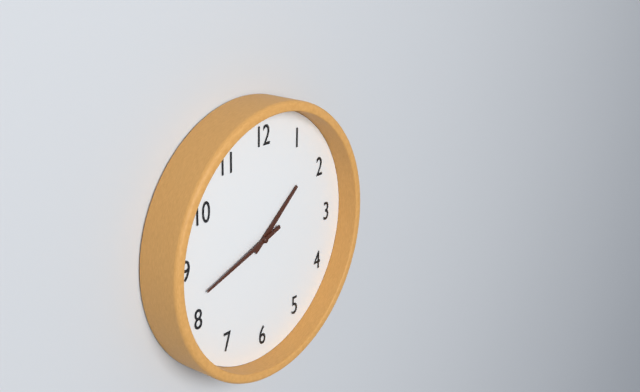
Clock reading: {"hour": 1, "minute": 42}
